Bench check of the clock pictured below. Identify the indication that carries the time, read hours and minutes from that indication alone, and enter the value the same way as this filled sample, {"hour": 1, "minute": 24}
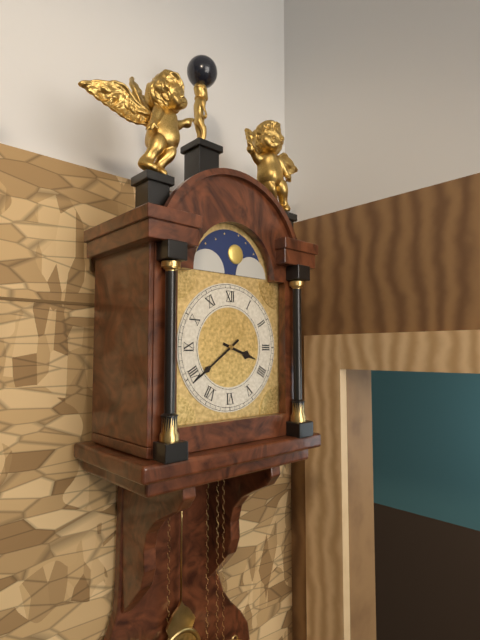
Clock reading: {"hour": 3, "minute": 39}
